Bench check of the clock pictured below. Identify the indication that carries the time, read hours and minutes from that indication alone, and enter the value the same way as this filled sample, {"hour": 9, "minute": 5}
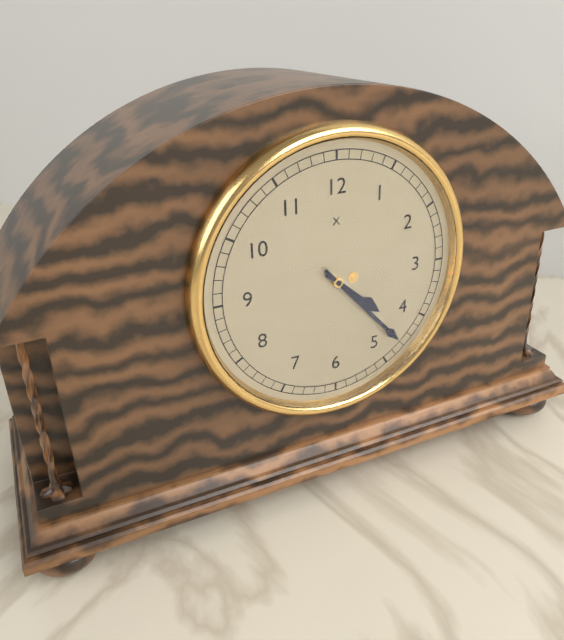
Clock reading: {"hour": 4, "minute": 23}
